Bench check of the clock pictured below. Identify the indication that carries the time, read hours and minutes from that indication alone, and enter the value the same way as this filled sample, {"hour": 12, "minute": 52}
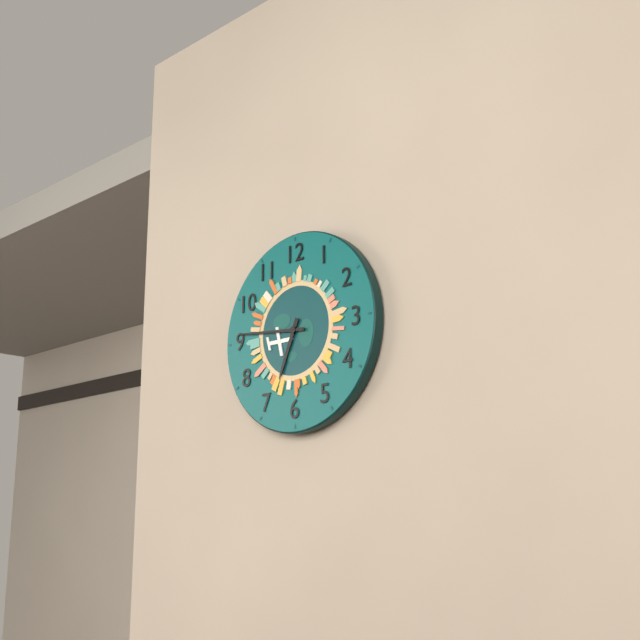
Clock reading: {"hour": 6, "minute": 46}
